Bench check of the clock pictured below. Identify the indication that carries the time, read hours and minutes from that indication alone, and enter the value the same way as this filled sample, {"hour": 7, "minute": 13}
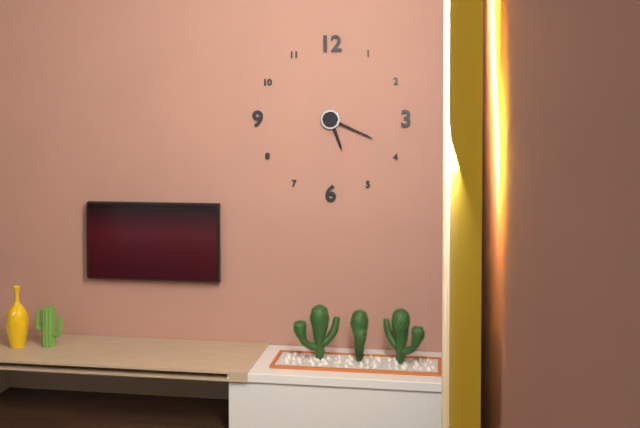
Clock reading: {"hour": 5, "minute": 19}
